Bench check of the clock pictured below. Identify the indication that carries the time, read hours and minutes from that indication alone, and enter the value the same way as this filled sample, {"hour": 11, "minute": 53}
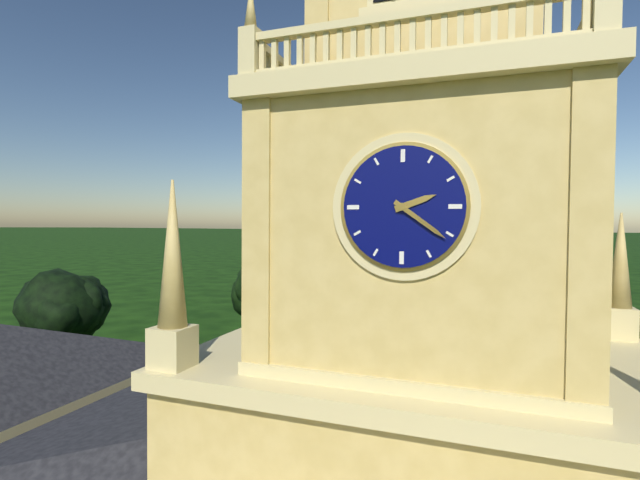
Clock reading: {"hour": 2, "minute": 21}
